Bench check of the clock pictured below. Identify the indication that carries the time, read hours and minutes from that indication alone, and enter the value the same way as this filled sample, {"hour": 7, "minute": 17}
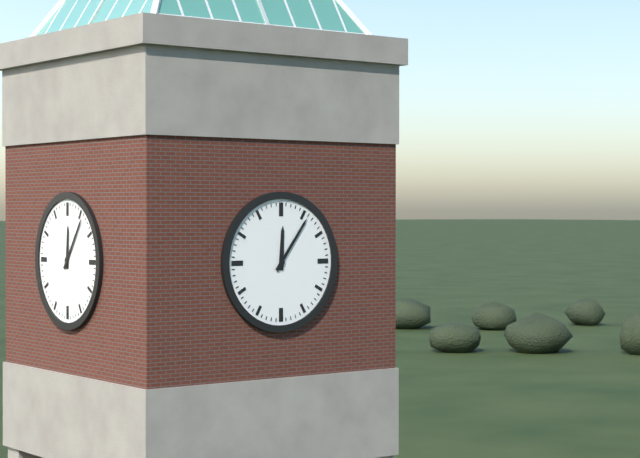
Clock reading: {"hour": 12, "minute": 6}
